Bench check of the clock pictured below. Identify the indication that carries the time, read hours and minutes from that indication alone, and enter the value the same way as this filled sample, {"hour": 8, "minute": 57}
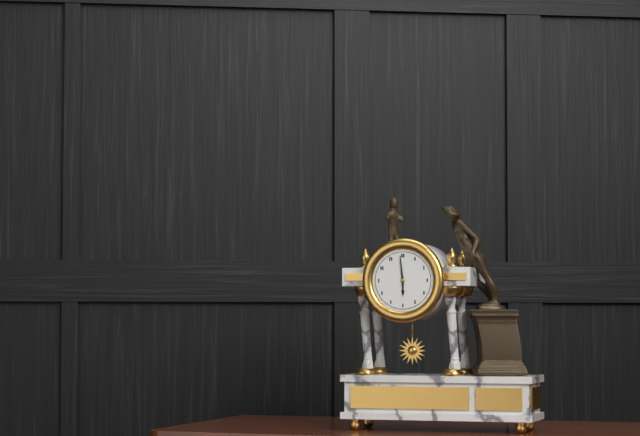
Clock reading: {"hour": 5, "minute": 59}
